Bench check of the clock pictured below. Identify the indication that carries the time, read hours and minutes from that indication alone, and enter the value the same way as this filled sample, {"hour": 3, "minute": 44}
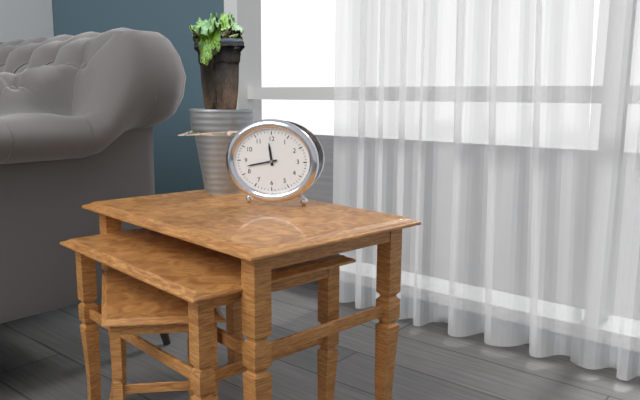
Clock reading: {"hour": 11, "minute": 43}
